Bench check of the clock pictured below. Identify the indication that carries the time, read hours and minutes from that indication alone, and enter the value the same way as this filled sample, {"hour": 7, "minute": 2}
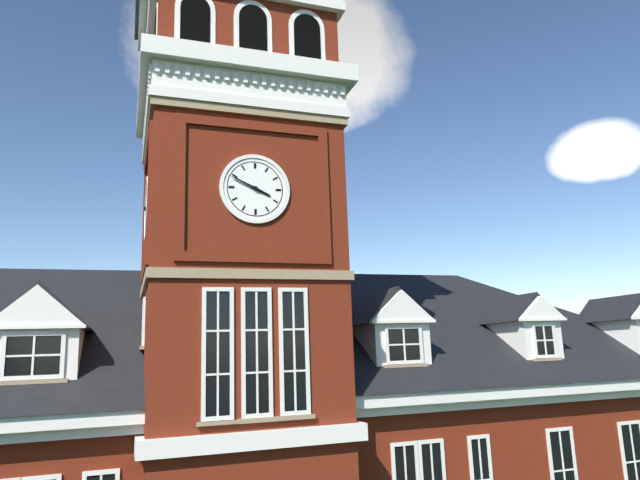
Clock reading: {"hour": 3, "minute": 49}
